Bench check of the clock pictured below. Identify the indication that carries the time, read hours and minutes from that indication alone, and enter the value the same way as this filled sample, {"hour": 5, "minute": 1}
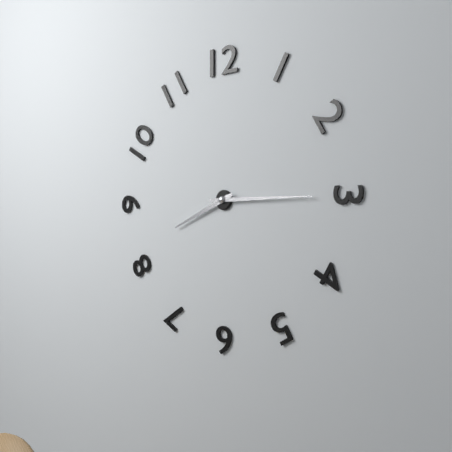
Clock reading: {"hour": 8, "minute": 15}
